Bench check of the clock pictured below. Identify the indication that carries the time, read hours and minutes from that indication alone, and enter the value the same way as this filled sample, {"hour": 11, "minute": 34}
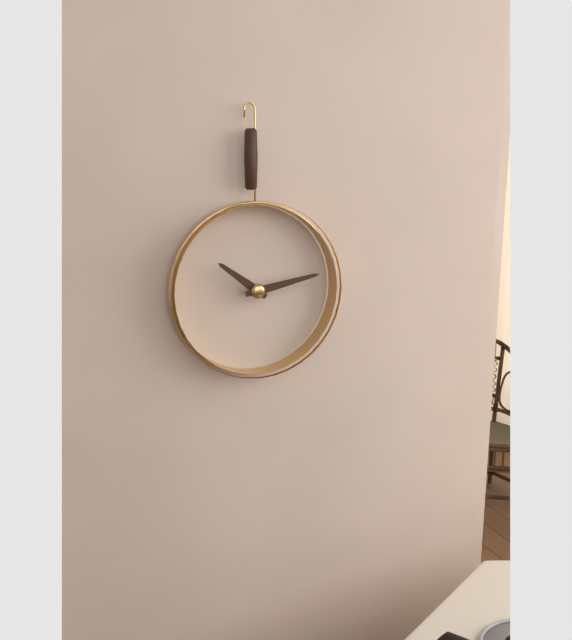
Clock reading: {"hour": 10, "minute": 13}
